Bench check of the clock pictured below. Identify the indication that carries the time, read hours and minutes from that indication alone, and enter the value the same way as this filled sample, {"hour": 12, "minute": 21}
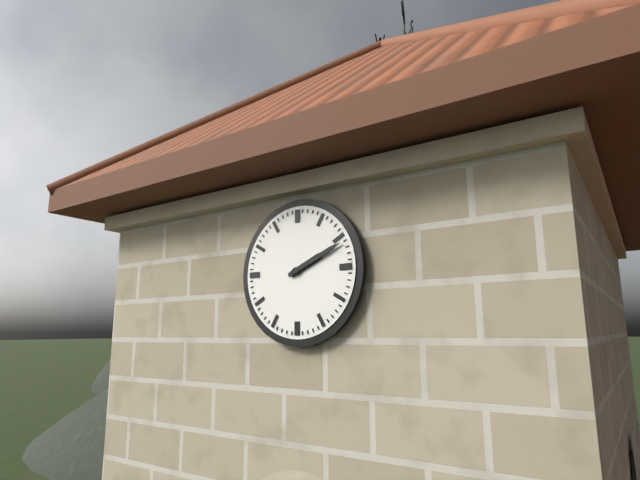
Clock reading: {"hour": 2, "minute": 11}
